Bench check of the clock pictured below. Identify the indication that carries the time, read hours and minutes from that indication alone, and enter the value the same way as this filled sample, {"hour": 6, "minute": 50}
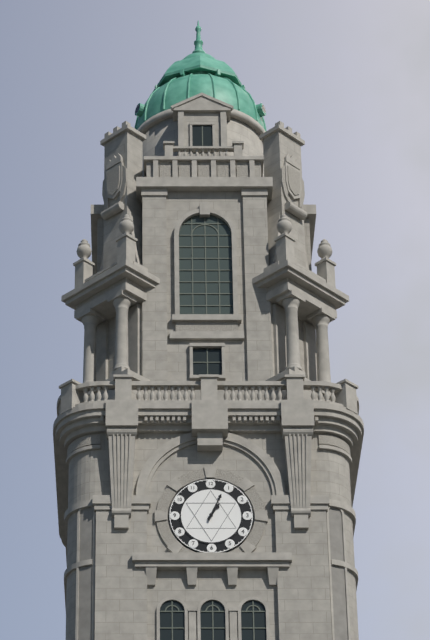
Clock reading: {"hour": 1, "minute": 4}
